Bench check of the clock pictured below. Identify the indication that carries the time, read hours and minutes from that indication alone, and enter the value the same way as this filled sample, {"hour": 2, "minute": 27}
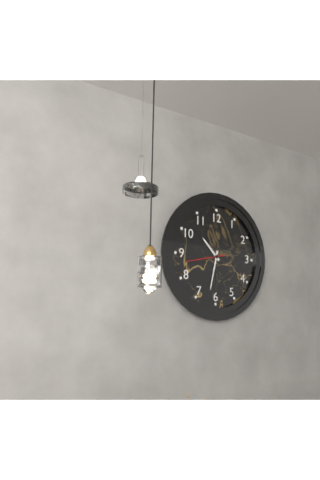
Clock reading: {"hour": 10, "minute": 32}
